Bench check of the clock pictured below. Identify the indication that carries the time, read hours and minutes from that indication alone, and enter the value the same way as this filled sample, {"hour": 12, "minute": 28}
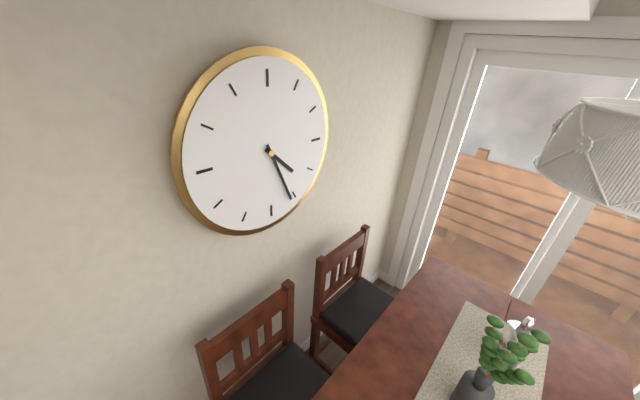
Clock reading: {"hour": 4, "minute": 26}
